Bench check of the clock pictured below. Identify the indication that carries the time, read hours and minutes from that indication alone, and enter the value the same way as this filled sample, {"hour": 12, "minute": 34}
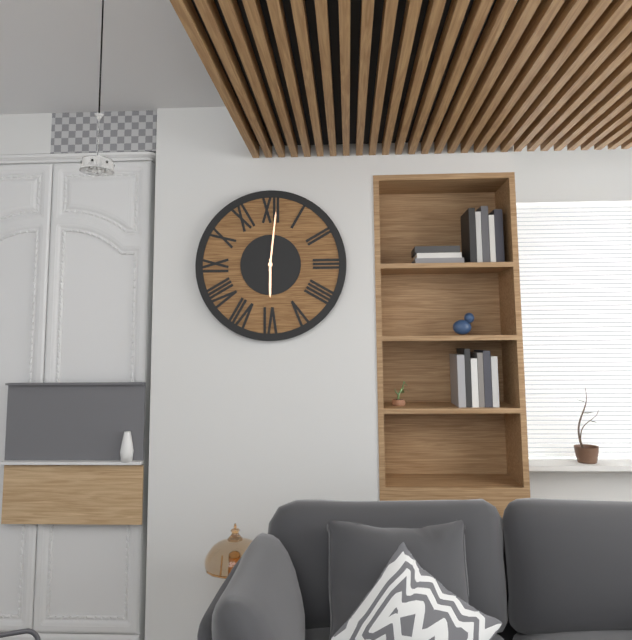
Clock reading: {"hour": 6, "minute": 1}
